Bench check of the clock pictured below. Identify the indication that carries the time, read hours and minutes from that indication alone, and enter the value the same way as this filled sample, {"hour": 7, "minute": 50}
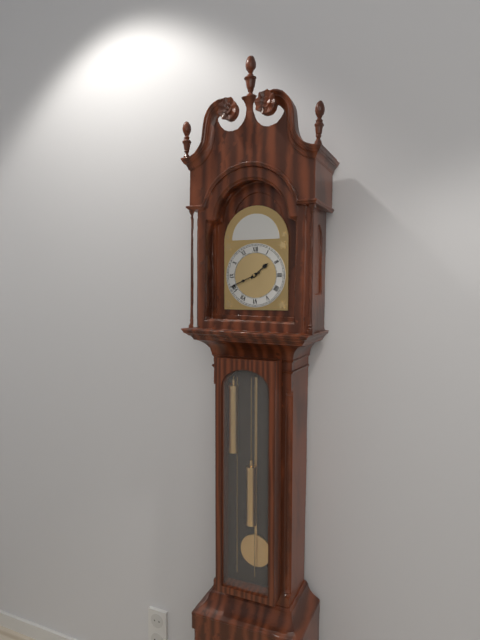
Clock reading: {"hour": 1, "minute": 41}
